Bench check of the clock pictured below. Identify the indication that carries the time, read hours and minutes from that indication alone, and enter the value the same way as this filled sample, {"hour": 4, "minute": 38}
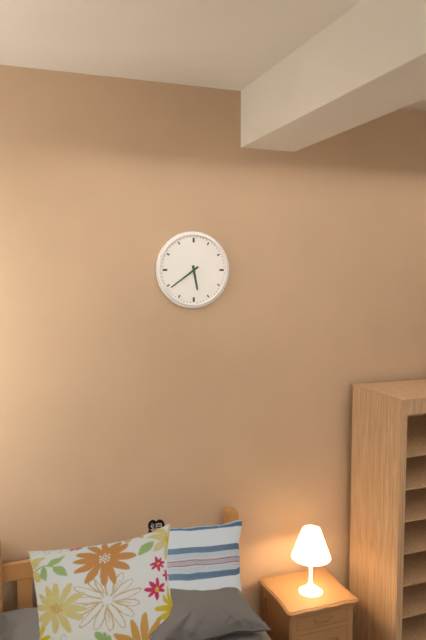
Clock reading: {"hour": 5, "minute": 39}
